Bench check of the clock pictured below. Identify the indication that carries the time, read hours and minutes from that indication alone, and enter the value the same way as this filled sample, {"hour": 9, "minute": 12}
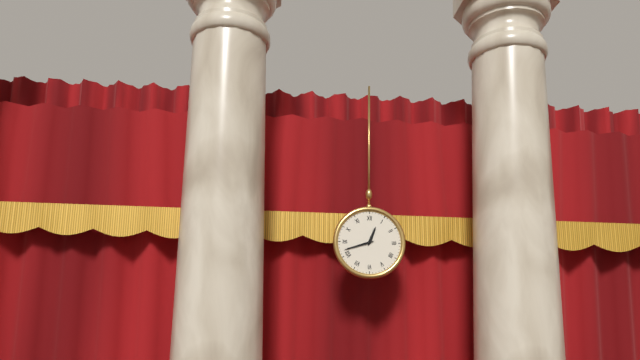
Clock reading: {"hour": 12, "minute": 42}
